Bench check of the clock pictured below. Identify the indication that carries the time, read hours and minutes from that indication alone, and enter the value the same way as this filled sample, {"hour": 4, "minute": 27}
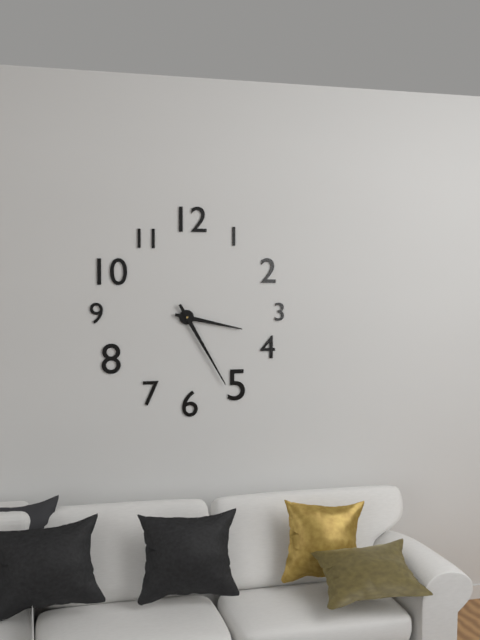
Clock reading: {"hour": 3, "minute": 25}
